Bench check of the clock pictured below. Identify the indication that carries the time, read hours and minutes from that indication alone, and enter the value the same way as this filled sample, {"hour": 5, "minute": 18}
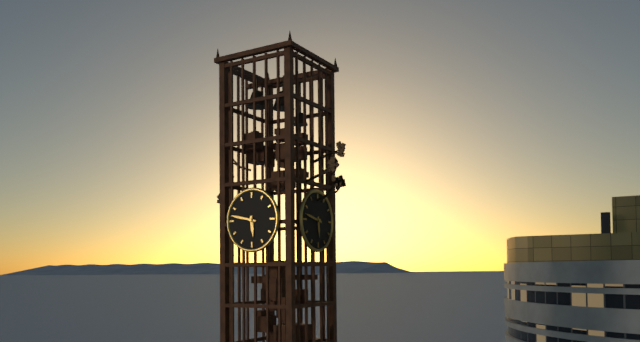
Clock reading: {"hour": 5, "minute": 47}
